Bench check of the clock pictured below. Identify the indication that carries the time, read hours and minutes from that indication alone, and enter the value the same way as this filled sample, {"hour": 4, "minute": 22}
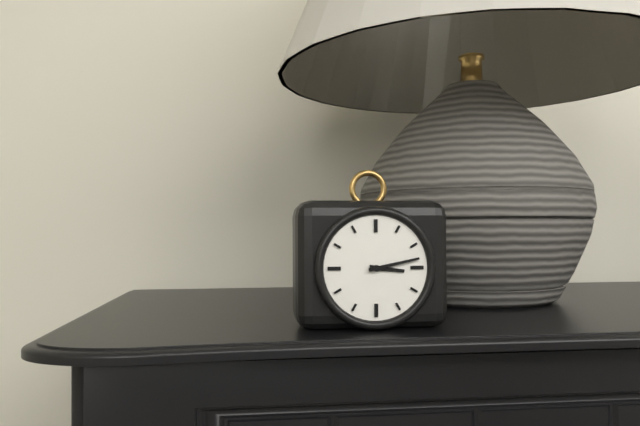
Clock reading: {"hour": 3, "minute": 13}
